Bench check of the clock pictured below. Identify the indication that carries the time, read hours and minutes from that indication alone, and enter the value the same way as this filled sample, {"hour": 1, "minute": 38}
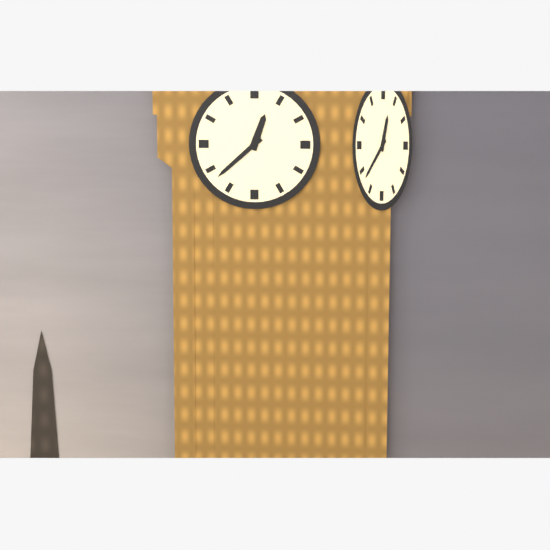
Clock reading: {"hour": 12, "minute": 38}
